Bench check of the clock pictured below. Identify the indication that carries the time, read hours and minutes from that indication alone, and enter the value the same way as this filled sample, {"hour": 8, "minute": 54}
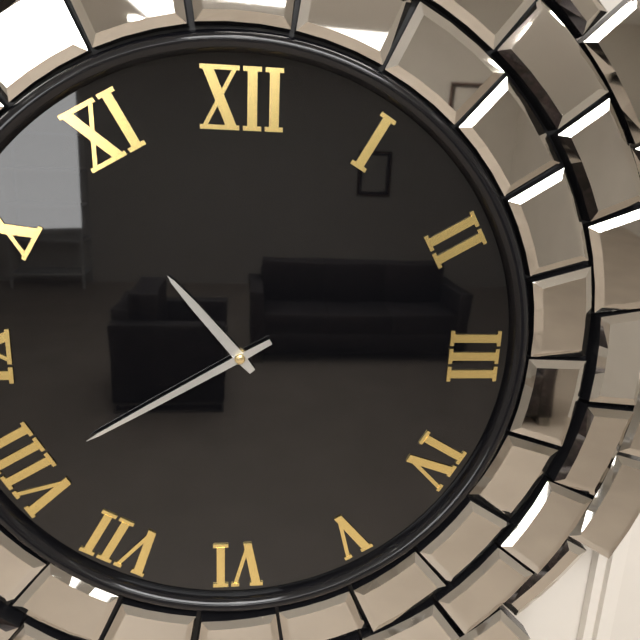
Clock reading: {"hour": 10, "minute": 40}
